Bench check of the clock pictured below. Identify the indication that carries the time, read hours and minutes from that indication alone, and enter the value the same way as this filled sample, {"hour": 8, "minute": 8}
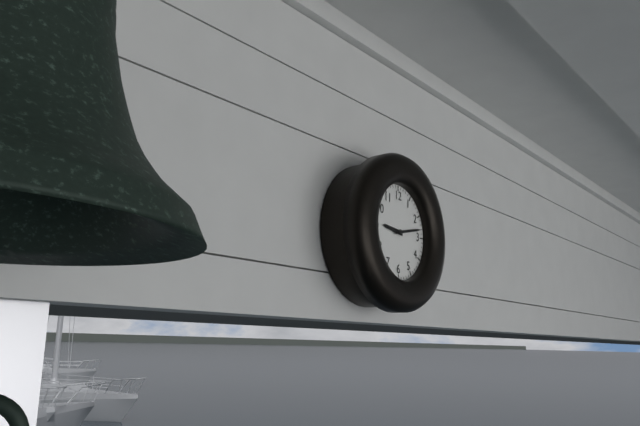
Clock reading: {"hour": 9, "minute": 13}
